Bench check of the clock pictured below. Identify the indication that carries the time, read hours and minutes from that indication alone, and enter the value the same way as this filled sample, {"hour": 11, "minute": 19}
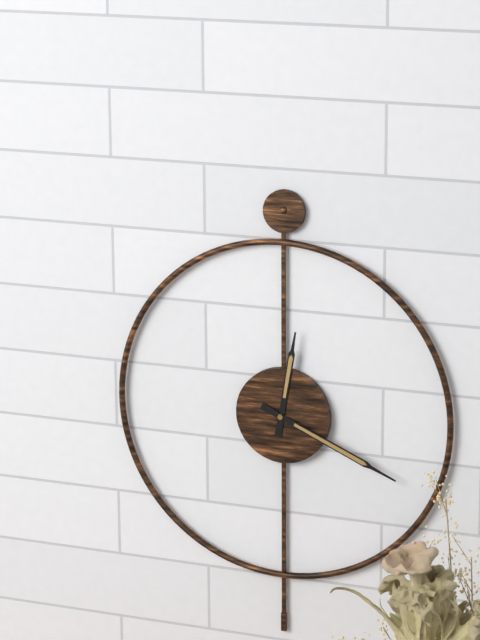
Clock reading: {"hour": 12, "minute": 19}
